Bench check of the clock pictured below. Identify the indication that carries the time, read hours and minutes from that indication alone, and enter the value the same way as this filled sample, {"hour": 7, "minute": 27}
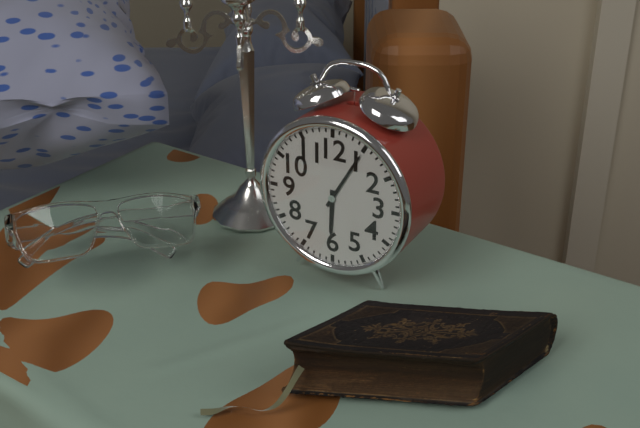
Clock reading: {"hour": 6, "minute": 5}
